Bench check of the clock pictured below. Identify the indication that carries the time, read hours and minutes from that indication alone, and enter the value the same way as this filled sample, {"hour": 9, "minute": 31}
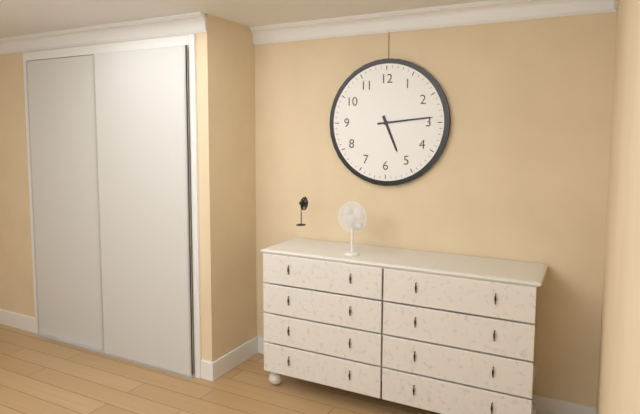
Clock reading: {"hour": 5, "minute": 14}
